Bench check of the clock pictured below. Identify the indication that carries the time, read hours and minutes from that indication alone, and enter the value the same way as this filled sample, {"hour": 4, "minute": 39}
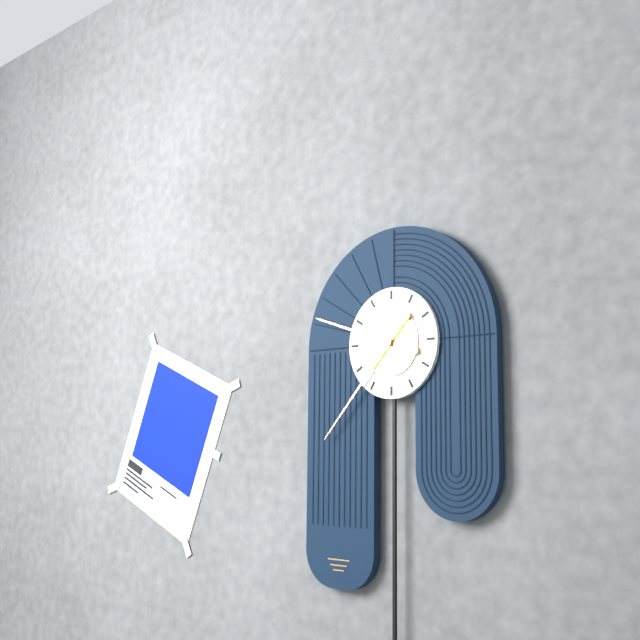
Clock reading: {"hour": 9, "minute": 37}
